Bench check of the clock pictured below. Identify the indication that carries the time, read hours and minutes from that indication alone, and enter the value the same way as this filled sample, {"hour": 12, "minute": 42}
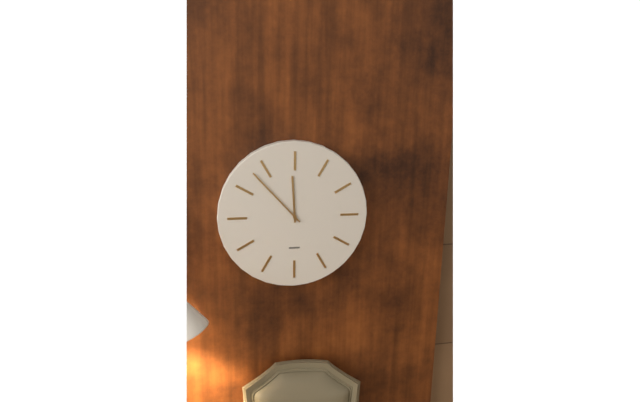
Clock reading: {"hour": 11, "minute": 53}
